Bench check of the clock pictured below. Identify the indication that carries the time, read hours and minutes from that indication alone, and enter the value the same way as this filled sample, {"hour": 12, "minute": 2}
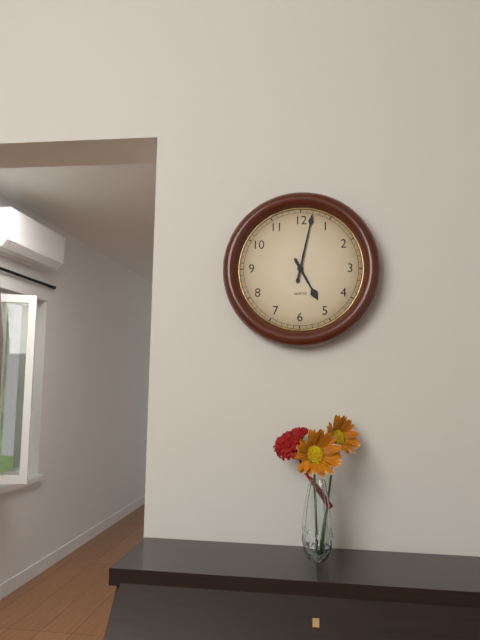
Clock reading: {"hour": 5, "minute": 2}
